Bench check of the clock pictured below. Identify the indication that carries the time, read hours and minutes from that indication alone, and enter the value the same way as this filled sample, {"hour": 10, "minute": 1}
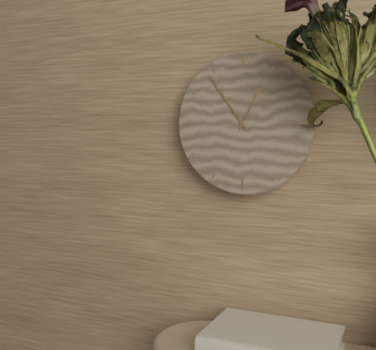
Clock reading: {"hour": 12, "minute": 54}
